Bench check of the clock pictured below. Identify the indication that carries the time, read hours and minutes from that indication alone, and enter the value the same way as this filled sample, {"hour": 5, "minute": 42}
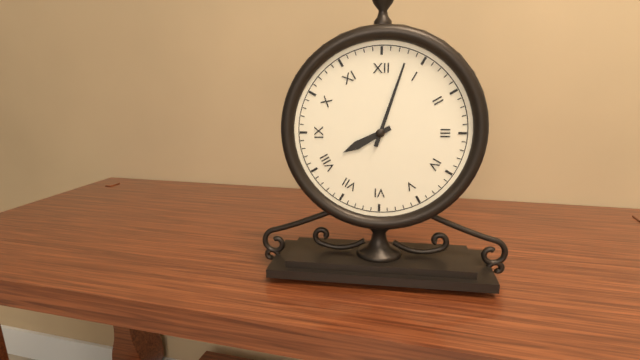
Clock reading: {"hour": 8, "minute": 3}
